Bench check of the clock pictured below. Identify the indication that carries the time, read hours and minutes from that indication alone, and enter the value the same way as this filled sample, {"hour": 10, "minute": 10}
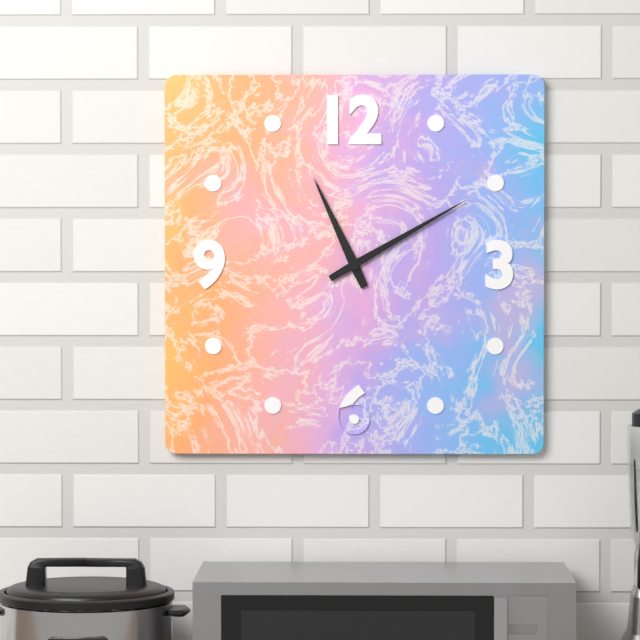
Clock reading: {"hour": 11, "minute": 10}
